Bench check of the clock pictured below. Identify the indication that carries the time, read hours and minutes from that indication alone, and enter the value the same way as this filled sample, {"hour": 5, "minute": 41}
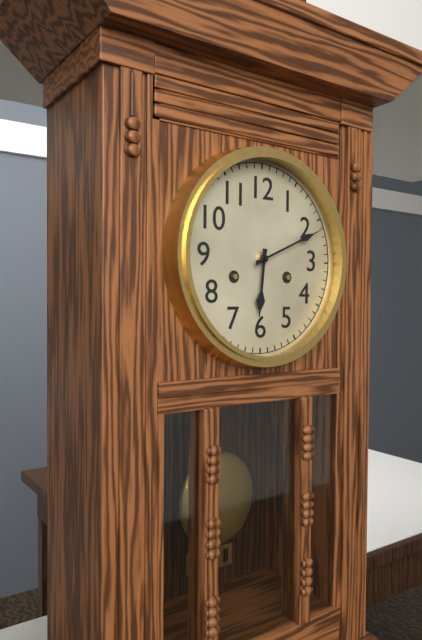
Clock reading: {"hour": 6, "minute": 11}
